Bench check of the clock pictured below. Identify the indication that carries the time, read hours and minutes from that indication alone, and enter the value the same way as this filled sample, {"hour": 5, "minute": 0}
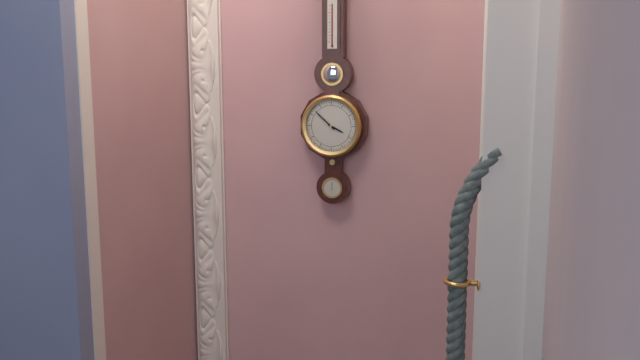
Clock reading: {"hour": 3, "minute": 52}
